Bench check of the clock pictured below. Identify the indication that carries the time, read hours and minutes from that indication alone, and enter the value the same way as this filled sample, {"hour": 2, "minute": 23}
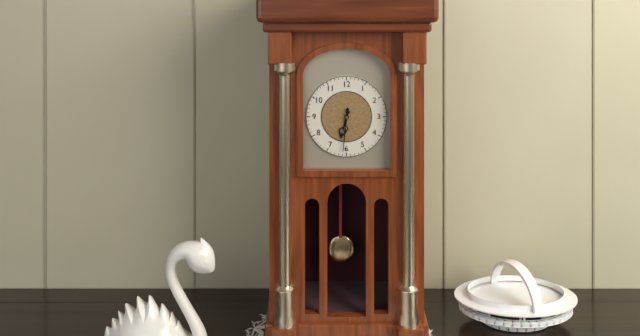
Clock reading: {"hour": 6, "minute": 31}
